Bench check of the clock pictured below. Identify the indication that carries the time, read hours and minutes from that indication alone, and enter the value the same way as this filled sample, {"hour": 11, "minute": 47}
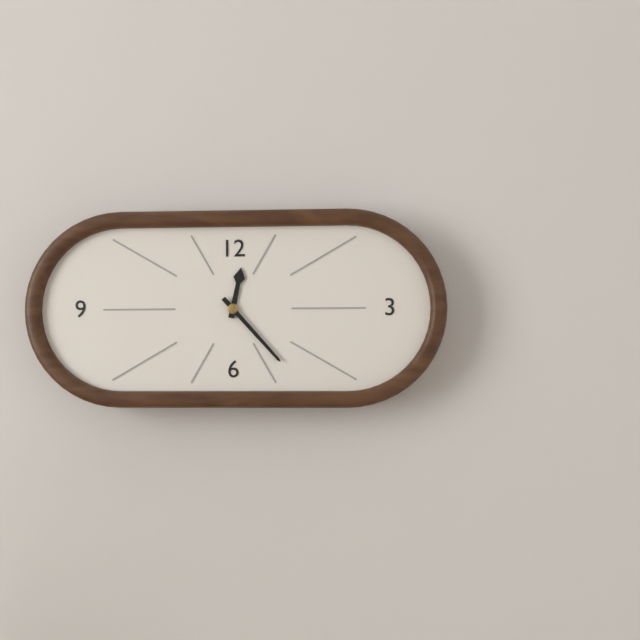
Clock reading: {"hour": 12, "minute": 23}
